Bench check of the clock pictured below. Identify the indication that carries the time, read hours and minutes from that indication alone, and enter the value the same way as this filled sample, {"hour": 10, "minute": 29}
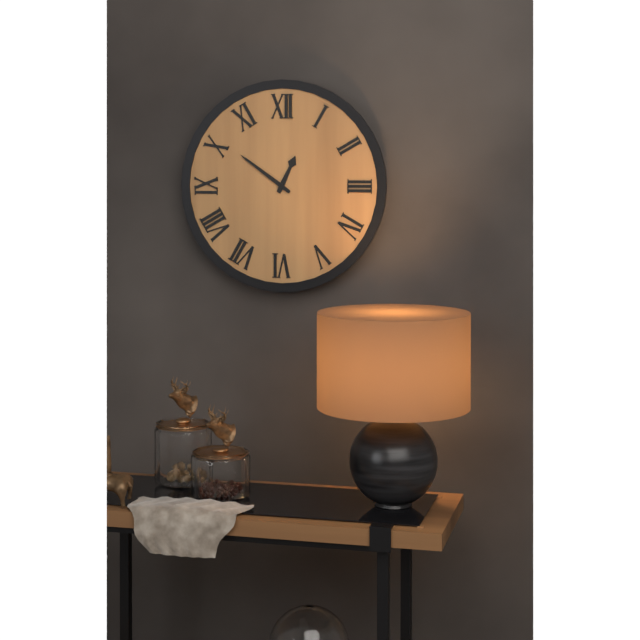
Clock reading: {"hour": 12, "minute": 51}
